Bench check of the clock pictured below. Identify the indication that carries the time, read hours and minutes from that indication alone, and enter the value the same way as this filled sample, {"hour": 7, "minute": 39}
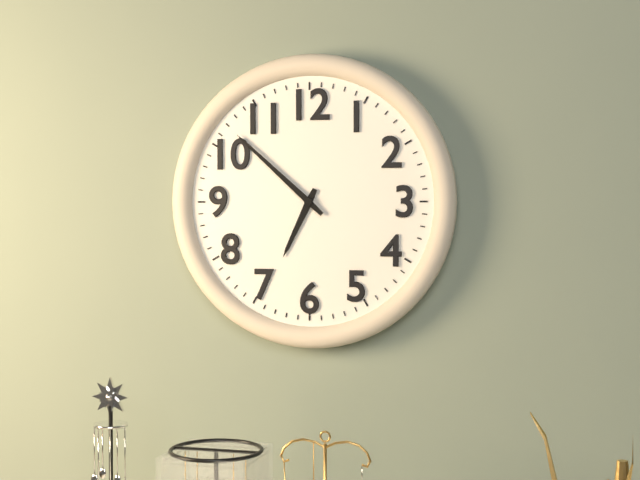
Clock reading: {"hour": 6, "minute": 52}
